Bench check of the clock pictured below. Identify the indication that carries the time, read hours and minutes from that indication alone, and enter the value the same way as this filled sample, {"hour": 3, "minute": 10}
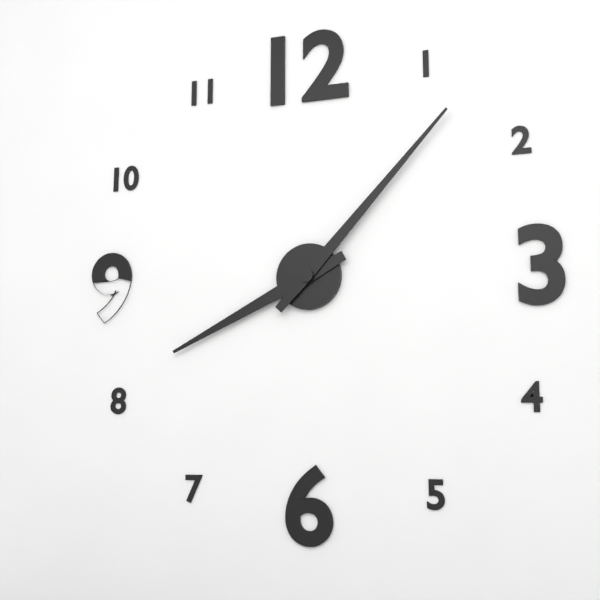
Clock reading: {"hour": 8, "minute": 7}
